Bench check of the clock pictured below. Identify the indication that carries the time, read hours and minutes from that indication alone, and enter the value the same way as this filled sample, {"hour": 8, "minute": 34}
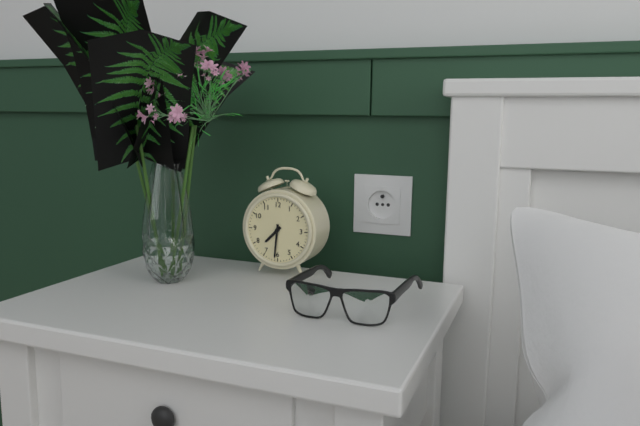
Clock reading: {"hour": 7, "minute": 31}
